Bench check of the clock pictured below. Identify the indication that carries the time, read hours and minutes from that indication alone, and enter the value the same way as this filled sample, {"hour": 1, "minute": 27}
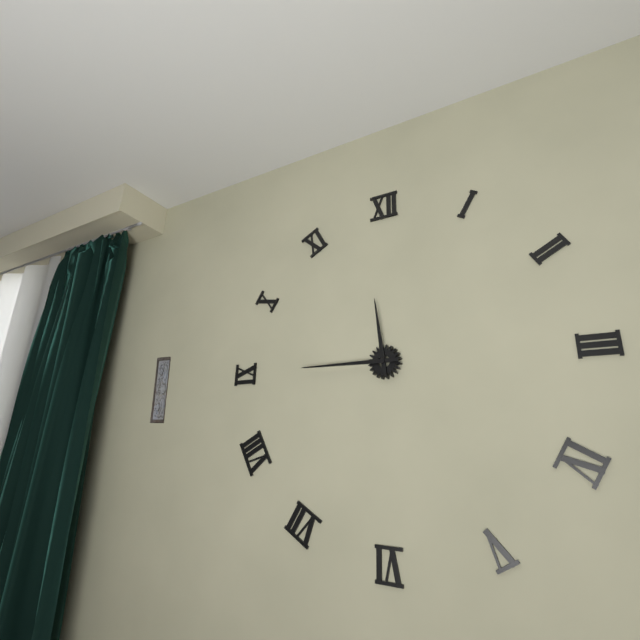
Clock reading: {"hour": 11, "minute": 45}
